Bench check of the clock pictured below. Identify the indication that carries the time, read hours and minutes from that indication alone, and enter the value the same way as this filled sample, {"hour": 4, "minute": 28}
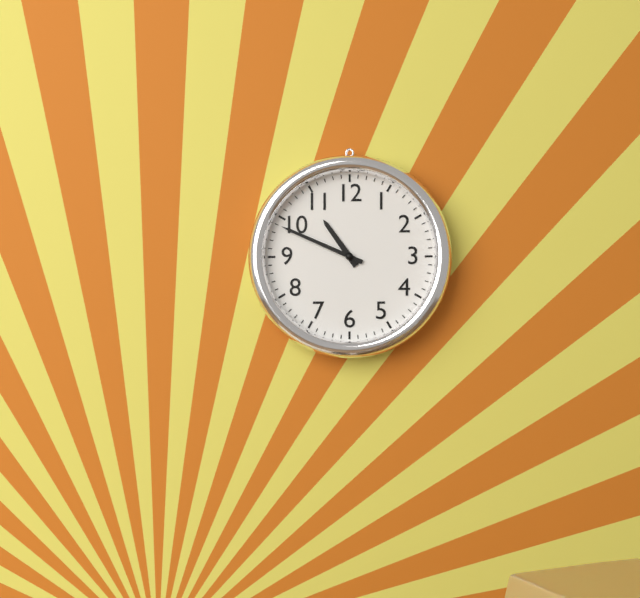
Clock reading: {"hour": 10, "minute": 49}
